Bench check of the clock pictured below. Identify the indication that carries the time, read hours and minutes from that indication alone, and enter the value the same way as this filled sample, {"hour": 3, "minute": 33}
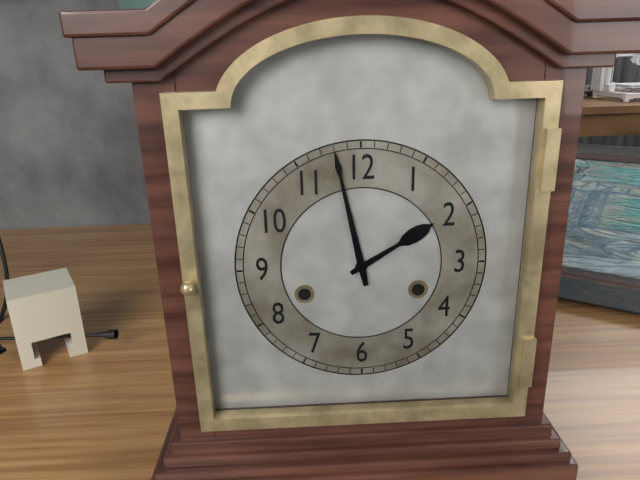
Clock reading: {"hour": 1, "minute": 58}
